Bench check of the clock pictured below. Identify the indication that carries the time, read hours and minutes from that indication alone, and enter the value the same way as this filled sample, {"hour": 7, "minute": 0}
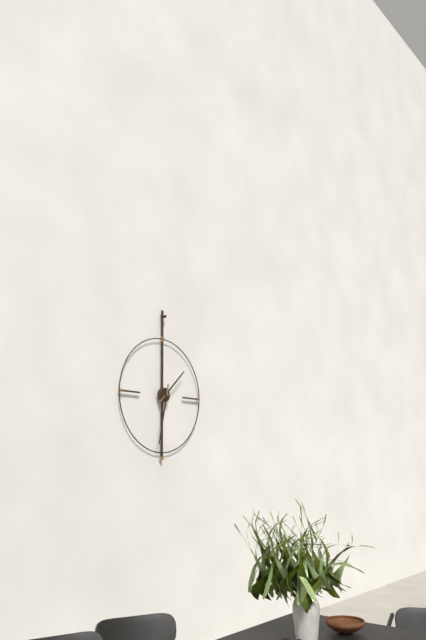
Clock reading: {"hour": 1, "minute": 32}
